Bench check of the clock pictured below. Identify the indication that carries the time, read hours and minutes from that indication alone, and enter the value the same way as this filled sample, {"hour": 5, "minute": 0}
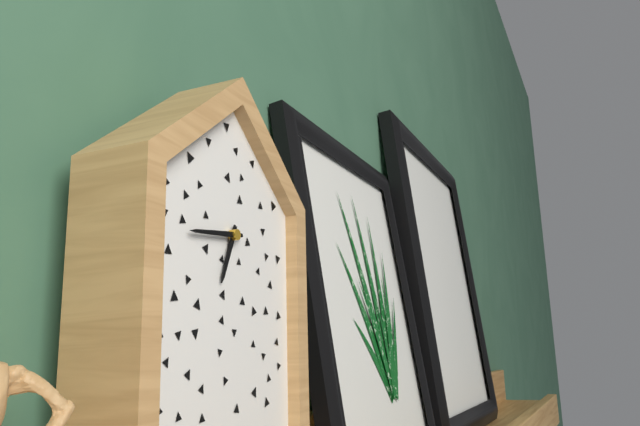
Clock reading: {"hour": 6, "minute": 44}
